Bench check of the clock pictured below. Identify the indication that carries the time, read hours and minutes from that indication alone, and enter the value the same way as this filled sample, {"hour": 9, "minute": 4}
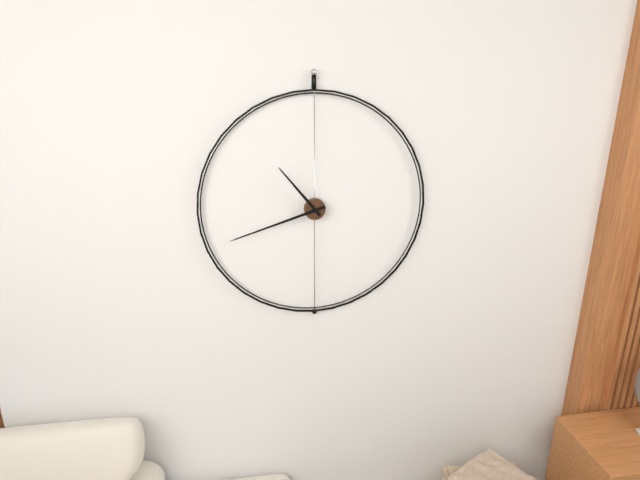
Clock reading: {"hour": 10, "minute": 42}
